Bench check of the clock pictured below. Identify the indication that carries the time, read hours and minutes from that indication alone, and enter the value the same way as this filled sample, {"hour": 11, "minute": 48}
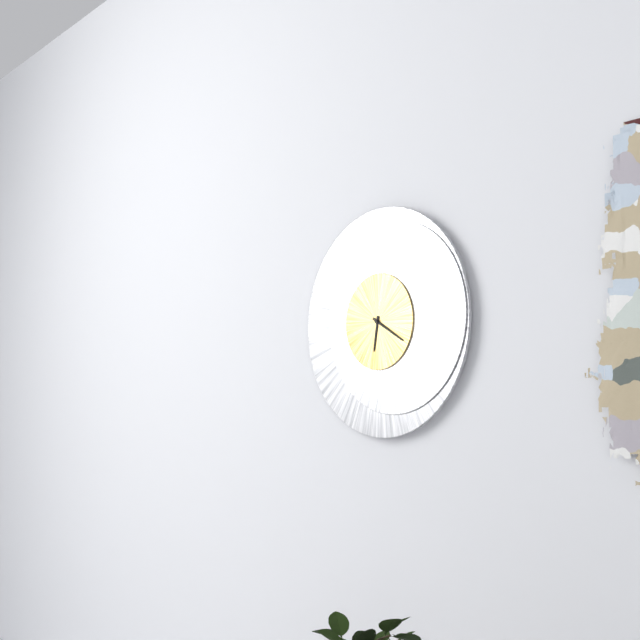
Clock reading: {"hour": 6, "minute": 20}
